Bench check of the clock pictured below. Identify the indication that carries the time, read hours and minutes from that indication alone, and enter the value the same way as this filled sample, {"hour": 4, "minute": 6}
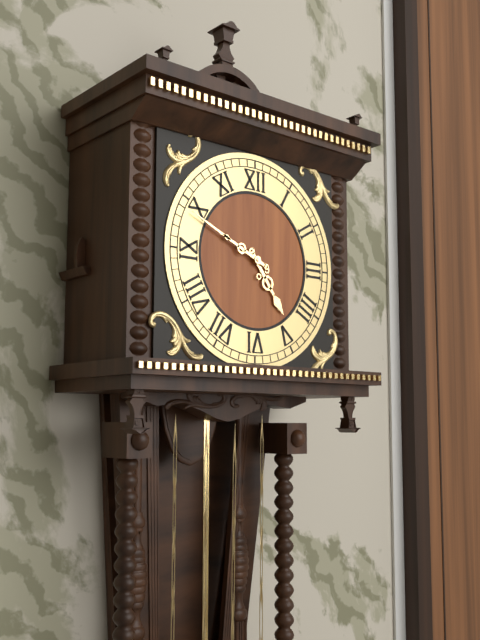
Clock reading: {"hour": 4, "minute": 49}
